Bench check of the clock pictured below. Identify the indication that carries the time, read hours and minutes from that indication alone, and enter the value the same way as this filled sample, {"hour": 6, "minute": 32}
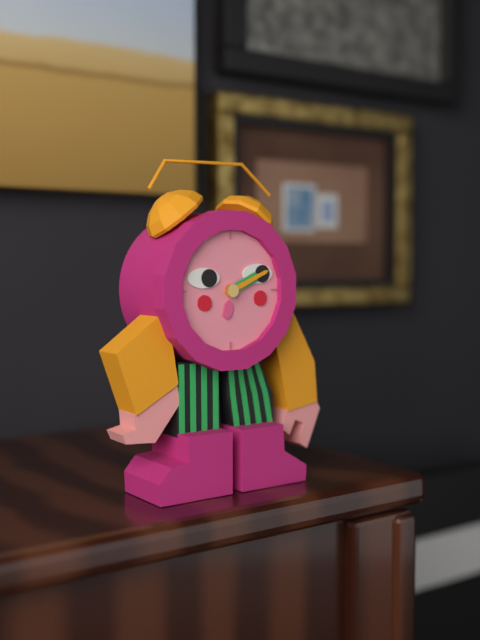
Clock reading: {"hour": 2, "minute": 11}
